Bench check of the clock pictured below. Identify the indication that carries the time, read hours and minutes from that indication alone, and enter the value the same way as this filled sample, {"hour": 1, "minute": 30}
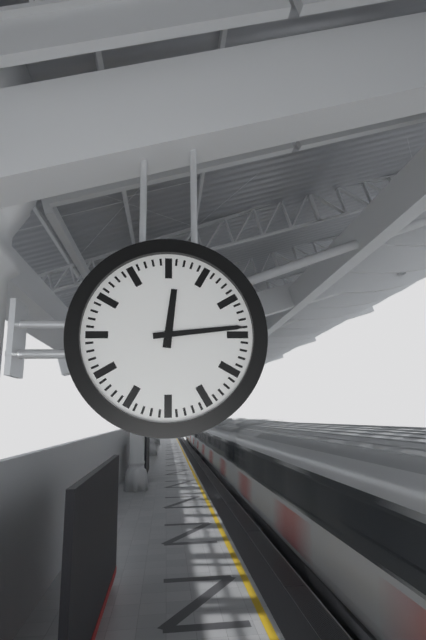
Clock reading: {"hour": 12, "minute": 14}
